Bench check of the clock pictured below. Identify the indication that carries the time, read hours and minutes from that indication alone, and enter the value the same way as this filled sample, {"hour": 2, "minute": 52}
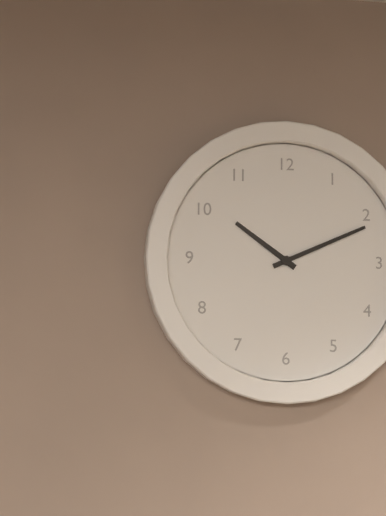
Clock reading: {"hour": 10, "minute": 11}
